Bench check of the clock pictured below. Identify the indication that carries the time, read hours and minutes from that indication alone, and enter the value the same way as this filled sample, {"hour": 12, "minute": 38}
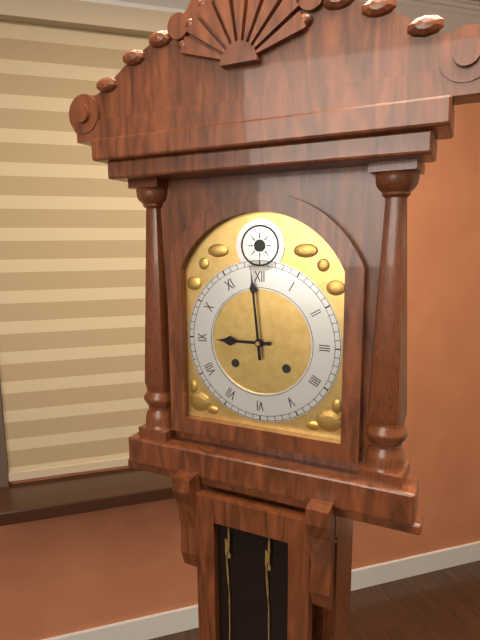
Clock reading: {"hour": 8, "minute": 59}
